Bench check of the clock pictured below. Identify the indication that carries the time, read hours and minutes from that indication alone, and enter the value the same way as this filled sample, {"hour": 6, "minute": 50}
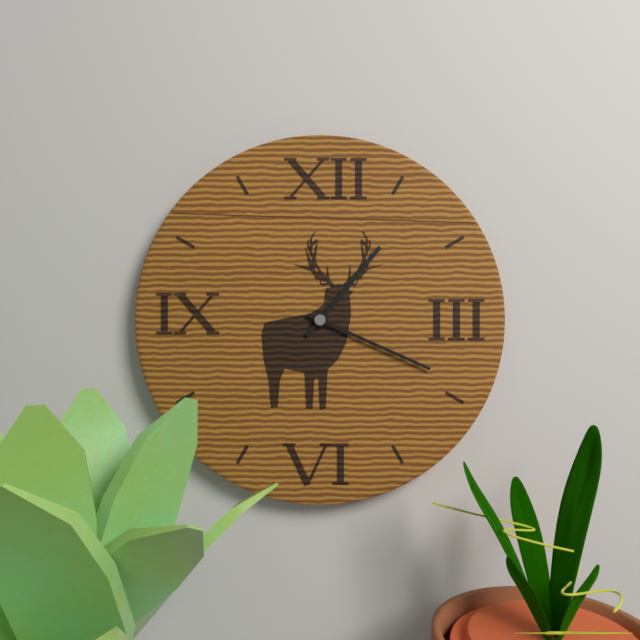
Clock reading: {"hour": 1, "minute": 19}
